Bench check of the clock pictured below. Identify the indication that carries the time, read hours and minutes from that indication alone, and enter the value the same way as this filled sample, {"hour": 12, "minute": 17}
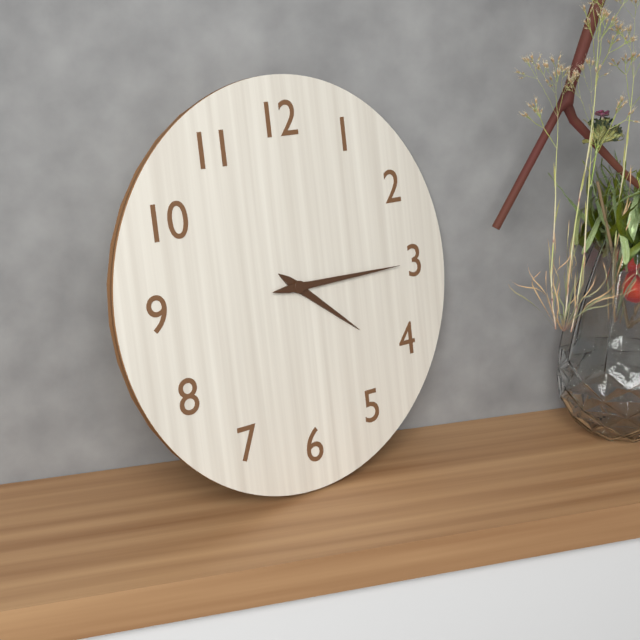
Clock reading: {"hour": 4, "minute": 15}
